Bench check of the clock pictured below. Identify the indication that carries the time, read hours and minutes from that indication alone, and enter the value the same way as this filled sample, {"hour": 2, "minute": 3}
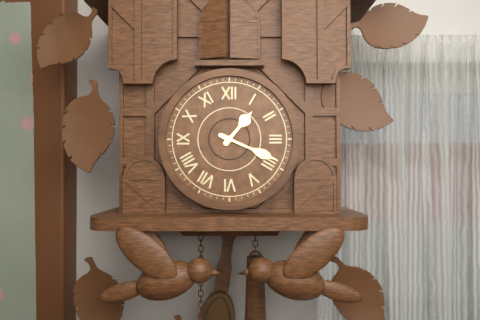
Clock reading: {"hour": 1, "minute": 19}
